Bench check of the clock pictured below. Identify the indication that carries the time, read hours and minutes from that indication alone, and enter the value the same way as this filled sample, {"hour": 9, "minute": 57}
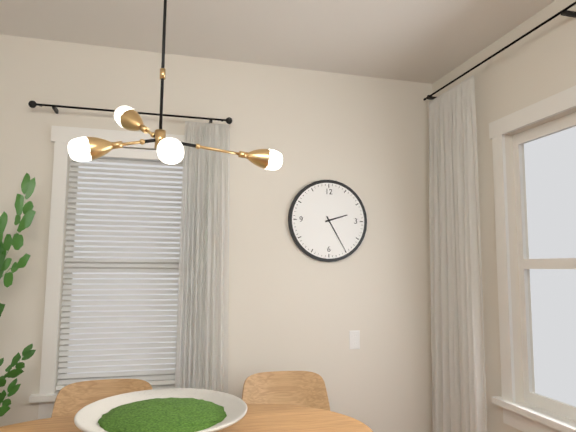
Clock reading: {"hour": 2, "minute": 25}
